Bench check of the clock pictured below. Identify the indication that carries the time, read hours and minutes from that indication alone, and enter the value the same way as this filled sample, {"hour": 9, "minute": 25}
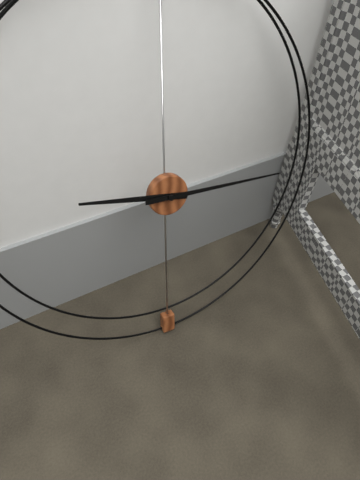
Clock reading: {"hour": 9, "minute": 15}
